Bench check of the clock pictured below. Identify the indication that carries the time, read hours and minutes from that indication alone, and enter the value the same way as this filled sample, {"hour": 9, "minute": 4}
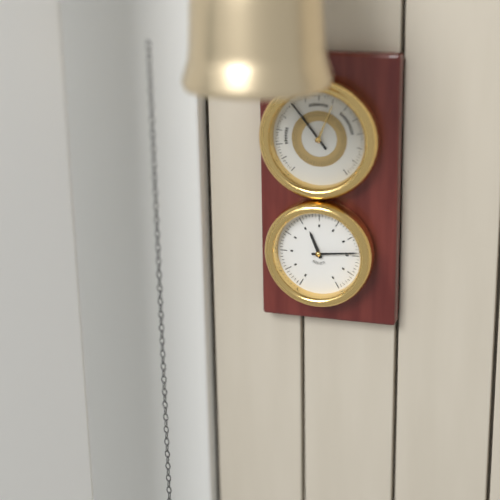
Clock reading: {"hour": 11, "minute": 14}
